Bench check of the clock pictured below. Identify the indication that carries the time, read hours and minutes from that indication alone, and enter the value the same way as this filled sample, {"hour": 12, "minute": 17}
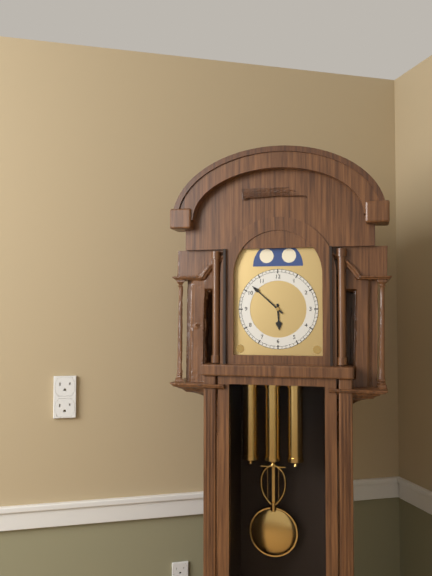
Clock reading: {"hour": 5, "minute": 52}
